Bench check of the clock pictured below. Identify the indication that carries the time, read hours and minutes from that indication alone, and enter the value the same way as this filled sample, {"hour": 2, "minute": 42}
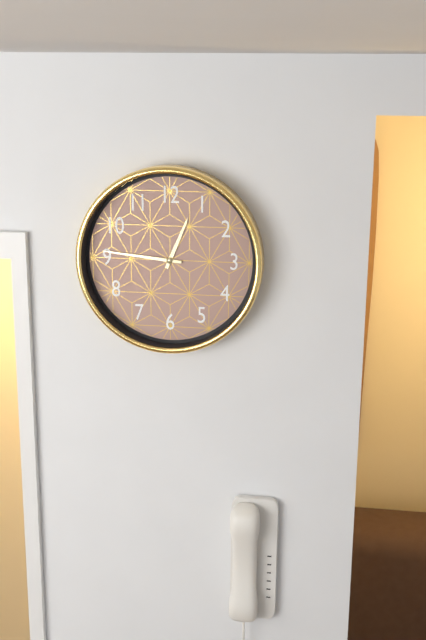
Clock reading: {"hour": 12, "minute": 46}
